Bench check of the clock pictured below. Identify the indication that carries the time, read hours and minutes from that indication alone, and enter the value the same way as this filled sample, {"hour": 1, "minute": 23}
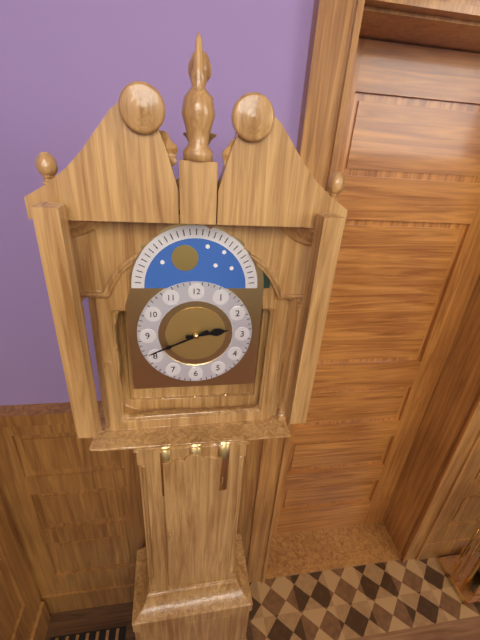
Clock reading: {"hour": 2, "minute": 41}
